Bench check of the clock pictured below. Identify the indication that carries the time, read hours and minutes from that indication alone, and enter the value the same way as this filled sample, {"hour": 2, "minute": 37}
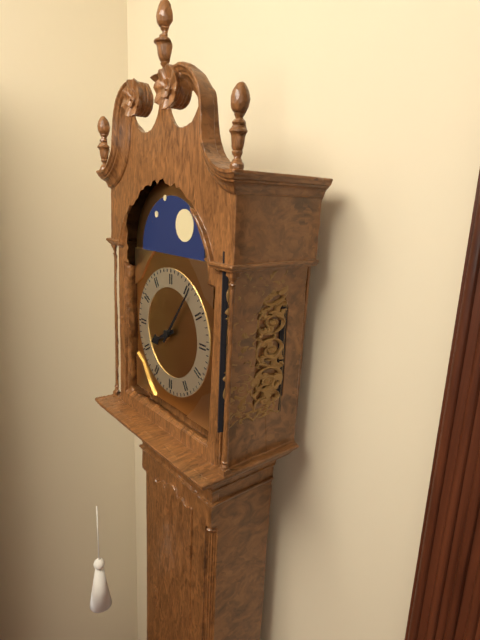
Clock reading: {"hour": 8, "minute": 6}
